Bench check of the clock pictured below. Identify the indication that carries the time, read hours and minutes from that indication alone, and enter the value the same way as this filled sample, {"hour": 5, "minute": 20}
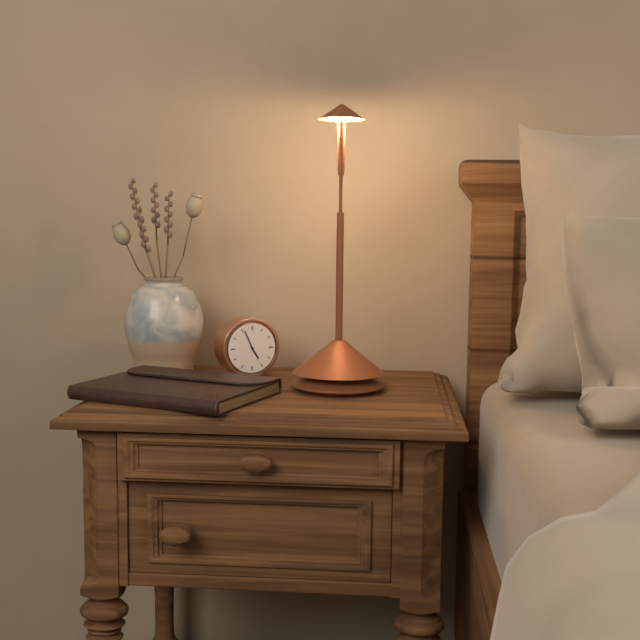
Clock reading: {"hour": 4, "minute": 56}
